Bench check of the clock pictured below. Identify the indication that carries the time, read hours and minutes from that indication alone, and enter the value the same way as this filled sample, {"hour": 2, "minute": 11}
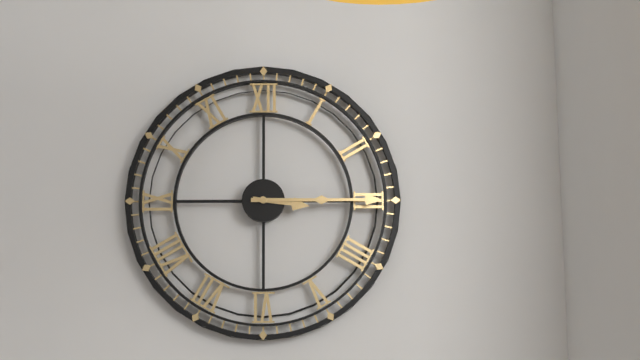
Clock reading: {"hour": 3, "minute": 15}
